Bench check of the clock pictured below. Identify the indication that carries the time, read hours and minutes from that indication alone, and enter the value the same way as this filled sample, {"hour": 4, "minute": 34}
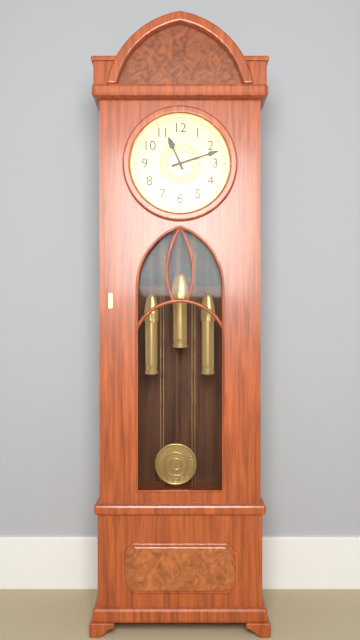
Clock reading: {"hour": 11, "minute": 12}
